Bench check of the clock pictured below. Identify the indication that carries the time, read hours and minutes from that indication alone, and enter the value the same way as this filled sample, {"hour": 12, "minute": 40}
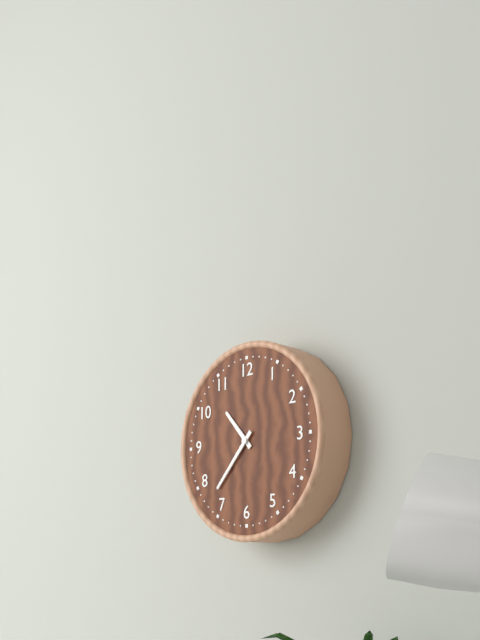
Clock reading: {"hour": 10, "minute": 37}
